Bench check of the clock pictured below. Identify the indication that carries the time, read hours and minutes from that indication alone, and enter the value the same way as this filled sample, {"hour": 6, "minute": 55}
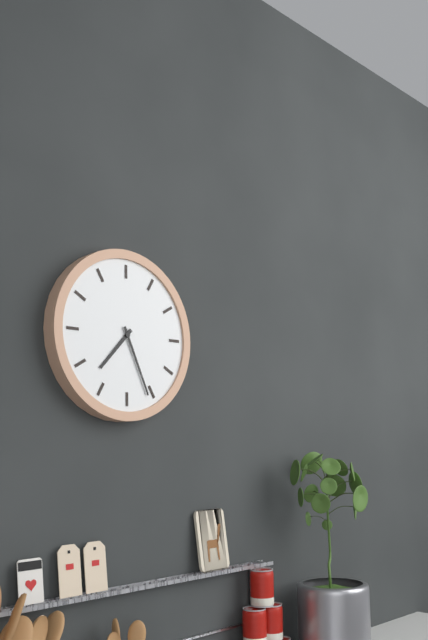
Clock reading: {"hour": 7, "minute": 26}
